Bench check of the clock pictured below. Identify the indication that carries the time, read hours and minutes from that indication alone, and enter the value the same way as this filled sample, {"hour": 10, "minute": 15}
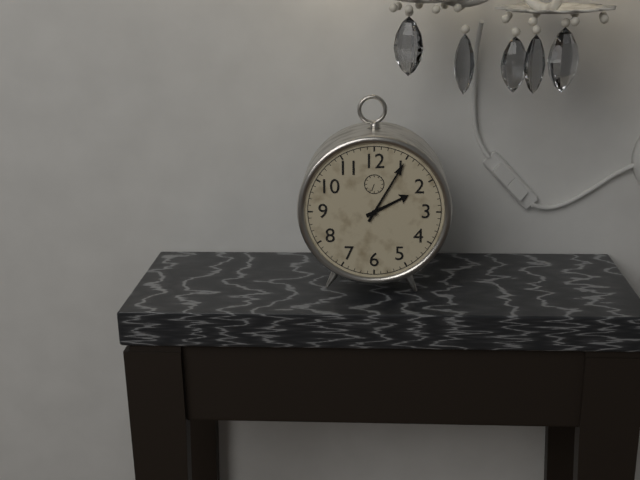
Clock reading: {"hour": 2, "minute": 5}
